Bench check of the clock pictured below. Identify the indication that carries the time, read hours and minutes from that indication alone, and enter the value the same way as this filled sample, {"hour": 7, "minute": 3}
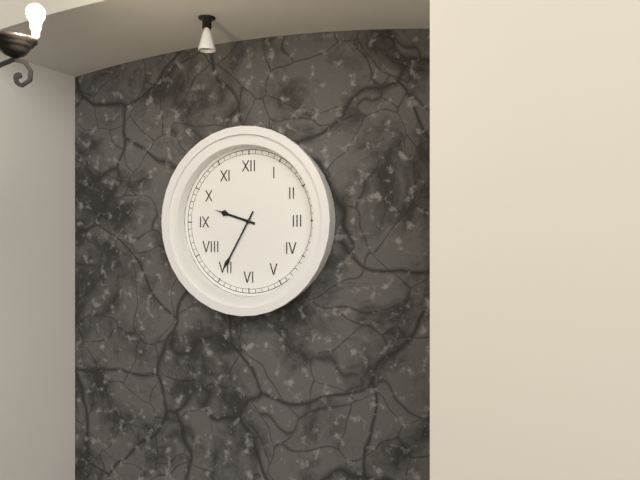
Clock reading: {"hour": 9, "minute": 35}
